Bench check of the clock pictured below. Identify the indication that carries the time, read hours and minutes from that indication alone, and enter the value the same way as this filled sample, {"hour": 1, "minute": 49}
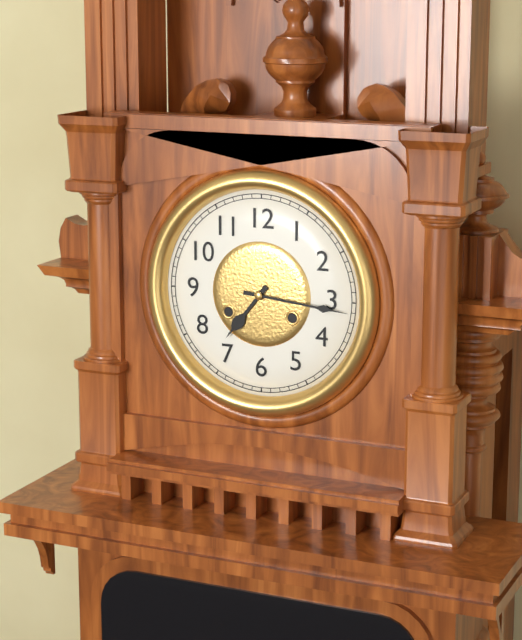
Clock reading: {"hour": 7, "minute": 16}
